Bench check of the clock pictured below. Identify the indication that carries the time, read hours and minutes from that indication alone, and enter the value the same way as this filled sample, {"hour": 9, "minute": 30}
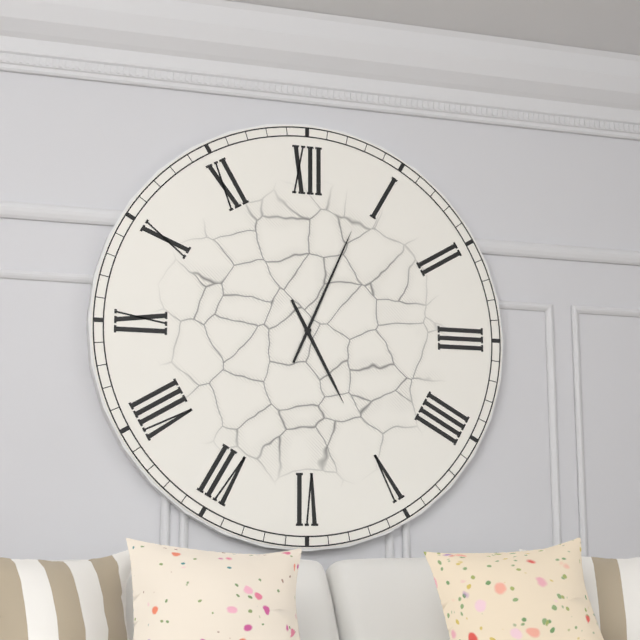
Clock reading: {"hour": 5, "minute": 4}
